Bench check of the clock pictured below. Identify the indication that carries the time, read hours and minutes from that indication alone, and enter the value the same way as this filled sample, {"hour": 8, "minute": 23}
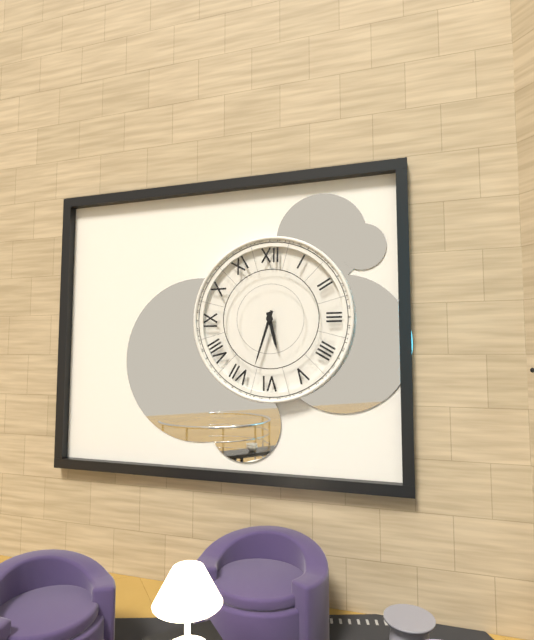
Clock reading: {"hour": 5, "minute": 33}
